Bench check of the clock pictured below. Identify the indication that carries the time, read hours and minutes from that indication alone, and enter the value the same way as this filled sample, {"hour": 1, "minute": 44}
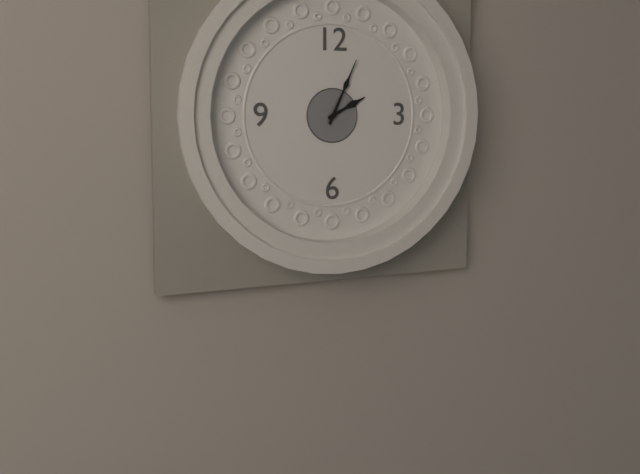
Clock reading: {"hour": 2, "minute": 4}
